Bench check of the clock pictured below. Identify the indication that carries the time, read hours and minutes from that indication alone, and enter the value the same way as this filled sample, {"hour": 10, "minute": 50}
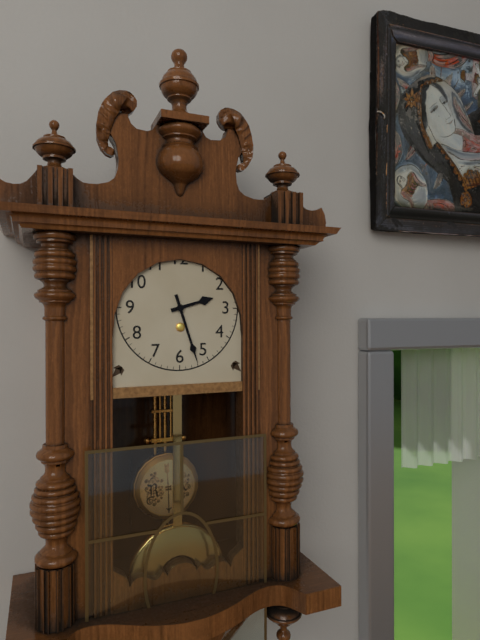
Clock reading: {"hour": 2, "minute": 27}
